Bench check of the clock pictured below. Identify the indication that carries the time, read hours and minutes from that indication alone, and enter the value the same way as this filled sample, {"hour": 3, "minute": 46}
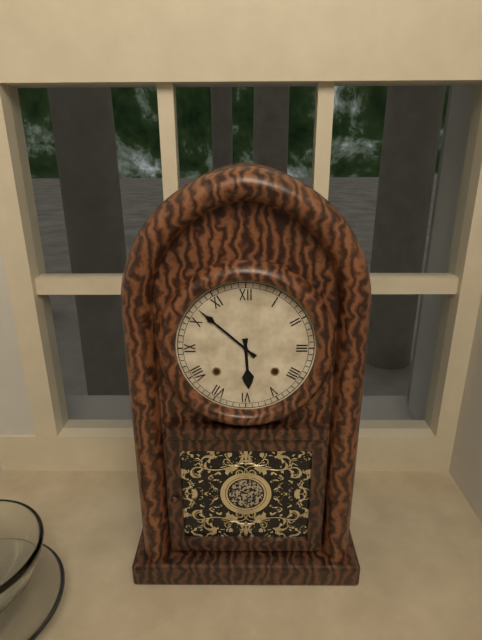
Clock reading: {"hour": 5, "minute": 52}
